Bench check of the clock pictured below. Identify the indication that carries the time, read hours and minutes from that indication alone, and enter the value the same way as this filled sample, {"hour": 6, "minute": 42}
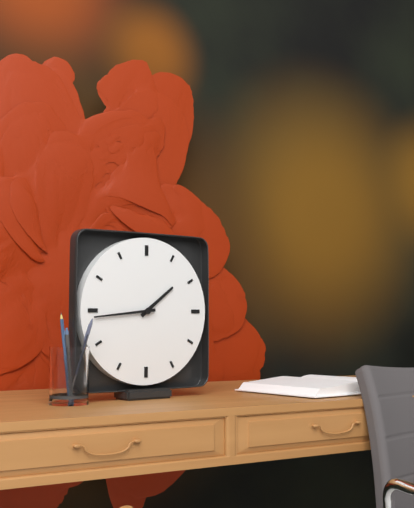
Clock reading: {"hour": 1, "minute": 44}
